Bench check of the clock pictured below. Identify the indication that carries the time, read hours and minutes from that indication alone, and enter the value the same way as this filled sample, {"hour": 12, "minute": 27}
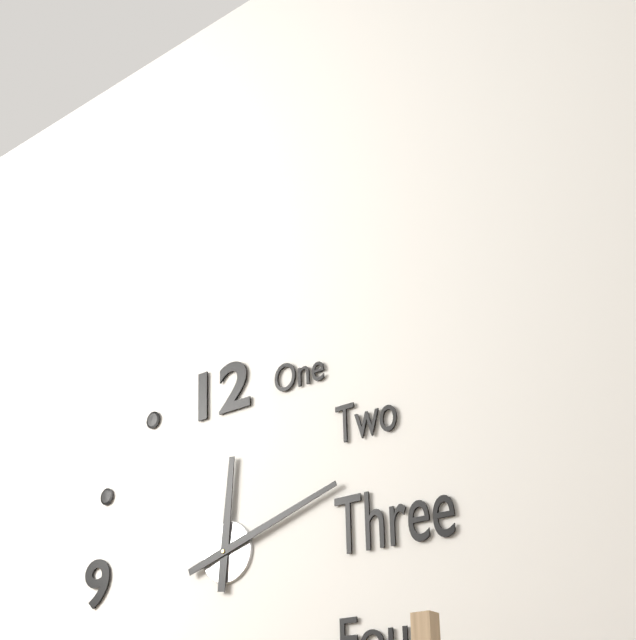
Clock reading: {"hour": 12, "minute": 12}
